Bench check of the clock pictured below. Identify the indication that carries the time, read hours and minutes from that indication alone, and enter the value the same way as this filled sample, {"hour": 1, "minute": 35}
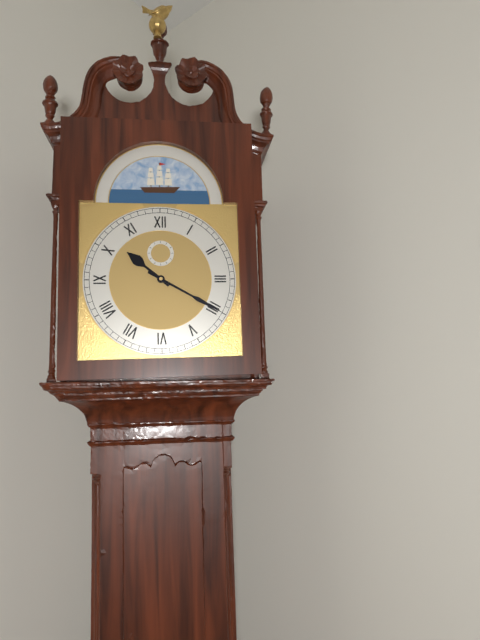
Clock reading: {"hour": 10, "minute": 20}
